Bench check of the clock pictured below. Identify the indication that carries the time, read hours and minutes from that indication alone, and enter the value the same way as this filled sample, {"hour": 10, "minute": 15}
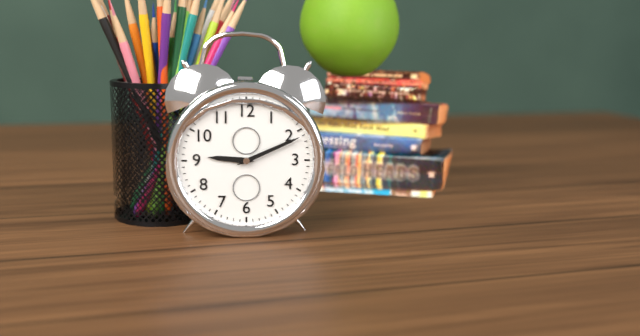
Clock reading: {"hour": 9, "minute": 11}
